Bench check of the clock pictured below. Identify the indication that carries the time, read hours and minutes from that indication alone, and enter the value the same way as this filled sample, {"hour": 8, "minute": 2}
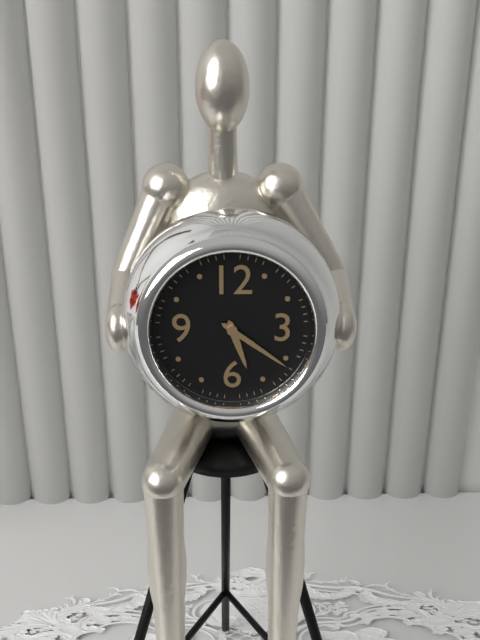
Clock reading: {"hour": 5, "minute": 21}
